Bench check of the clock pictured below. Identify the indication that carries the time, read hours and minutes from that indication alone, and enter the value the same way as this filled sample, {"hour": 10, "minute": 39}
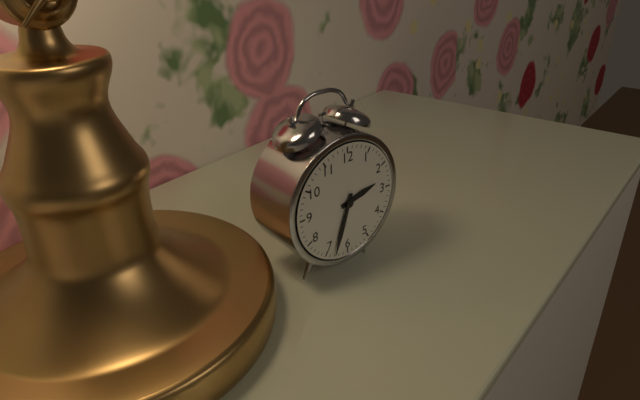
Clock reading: {"hour": 2, "minute": 33}
